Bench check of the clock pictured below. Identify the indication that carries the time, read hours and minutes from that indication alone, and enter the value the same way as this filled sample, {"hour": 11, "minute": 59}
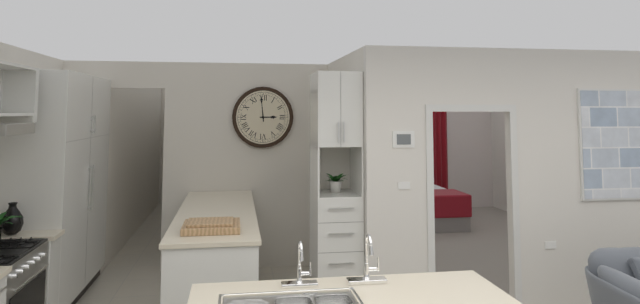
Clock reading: {"hour": 2, "minute": 59}
